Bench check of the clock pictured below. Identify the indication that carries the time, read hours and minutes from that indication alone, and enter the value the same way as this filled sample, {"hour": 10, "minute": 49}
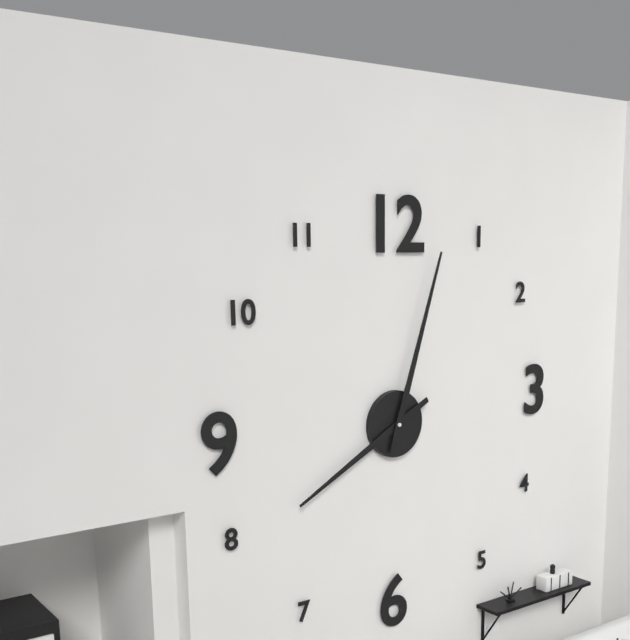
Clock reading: {"hour": 8, "minute": 3}
